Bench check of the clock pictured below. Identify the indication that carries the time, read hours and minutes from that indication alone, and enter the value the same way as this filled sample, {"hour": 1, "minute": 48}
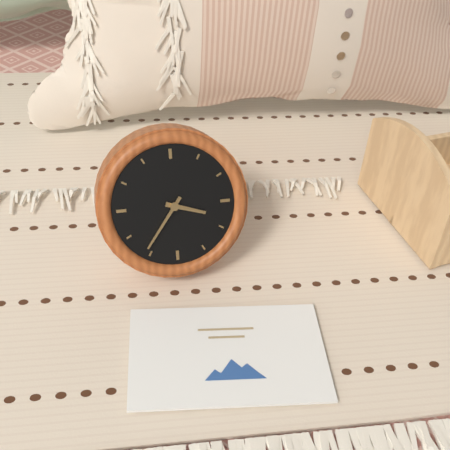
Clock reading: {"hour": 3, "minute": 36}
